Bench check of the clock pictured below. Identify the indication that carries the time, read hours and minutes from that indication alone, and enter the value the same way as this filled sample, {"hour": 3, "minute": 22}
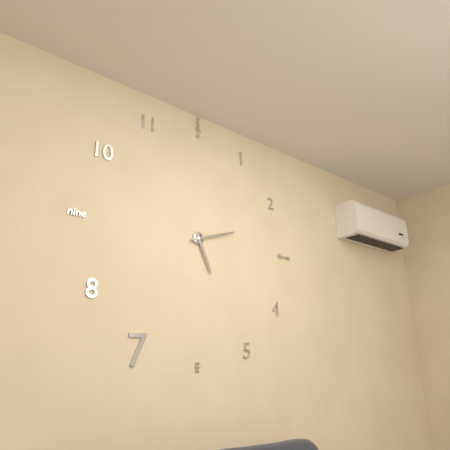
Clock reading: {"hour": 5, "minute": 12}
